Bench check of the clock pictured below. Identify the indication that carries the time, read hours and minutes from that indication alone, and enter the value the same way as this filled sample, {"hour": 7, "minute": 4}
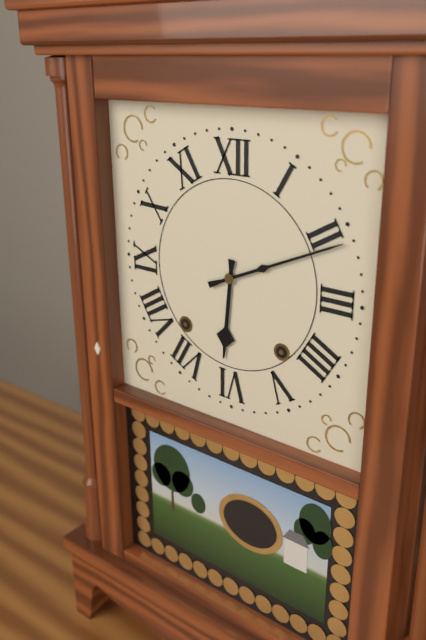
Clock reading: {"hour": 6, "minute": 11}
